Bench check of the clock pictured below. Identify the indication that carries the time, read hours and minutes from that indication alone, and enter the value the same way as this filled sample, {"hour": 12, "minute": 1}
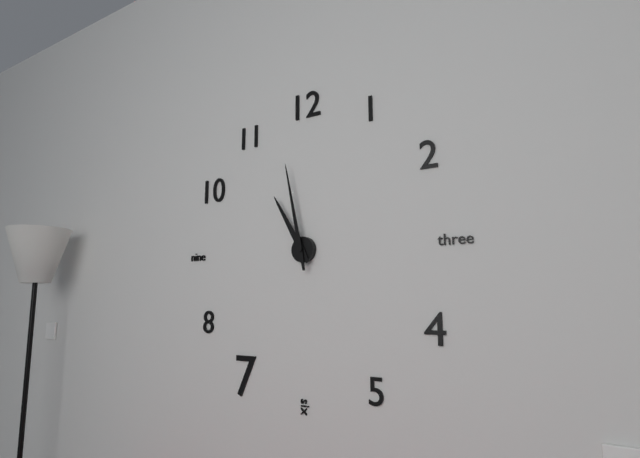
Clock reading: {"hour": 10, "minute": 58}
